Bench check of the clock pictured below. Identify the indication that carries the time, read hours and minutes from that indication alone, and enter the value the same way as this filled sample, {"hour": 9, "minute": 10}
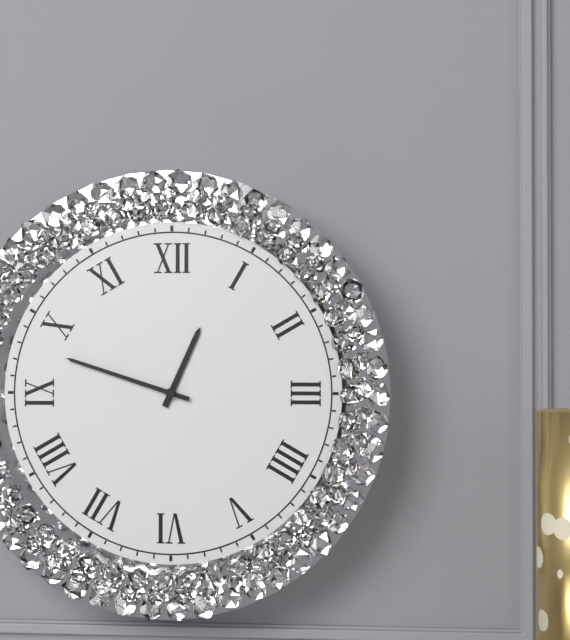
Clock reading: {"hour": 12, "minute": 48}
